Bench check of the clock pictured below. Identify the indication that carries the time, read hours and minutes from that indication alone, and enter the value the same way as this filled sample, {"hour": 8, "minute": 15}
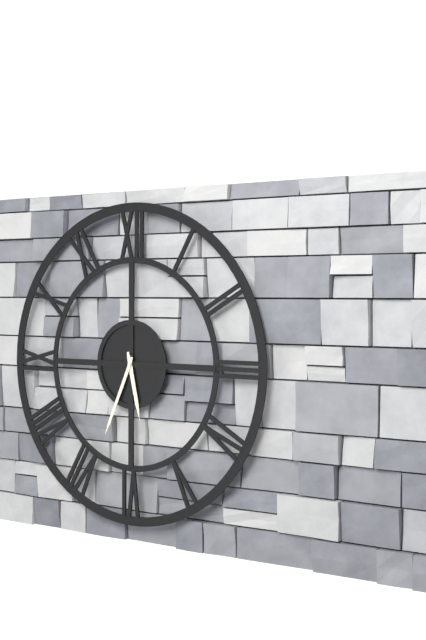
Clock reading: {"hour": 5, "minute": 34}
